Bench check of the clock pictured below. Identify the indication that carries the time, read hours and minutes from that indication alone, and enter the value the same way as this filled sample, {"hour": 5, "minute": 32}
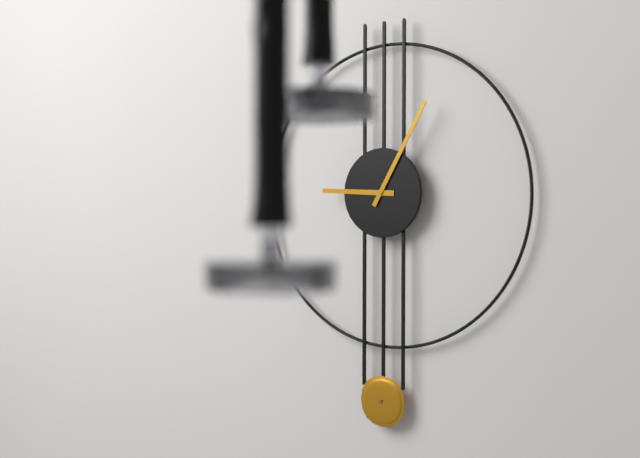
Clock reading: {"hour": 9, "minute": 5}
